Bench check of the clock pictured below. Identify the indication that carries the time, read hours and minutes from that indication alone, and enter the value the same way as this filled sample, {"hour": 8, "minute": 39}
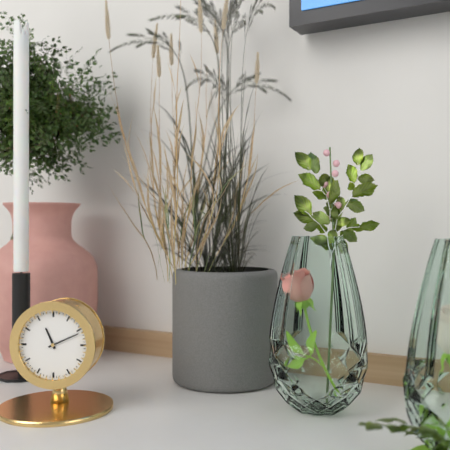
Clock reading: {"hour": 11, "minute": 11}
